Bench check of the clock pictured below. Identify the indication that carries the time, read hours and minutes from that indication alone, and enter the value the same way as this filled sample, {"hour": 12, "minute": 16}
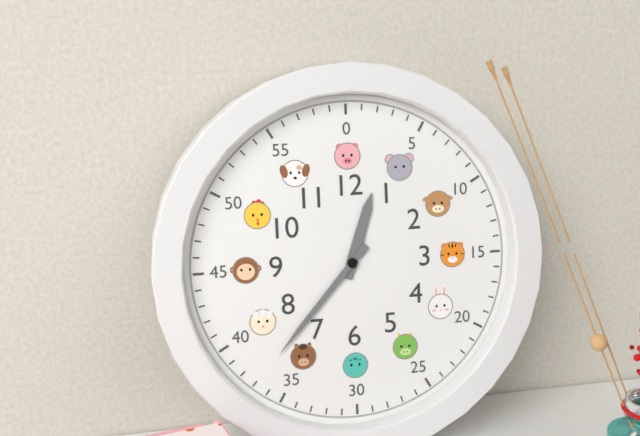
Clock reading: {"hour": 12, "minute": 37}
